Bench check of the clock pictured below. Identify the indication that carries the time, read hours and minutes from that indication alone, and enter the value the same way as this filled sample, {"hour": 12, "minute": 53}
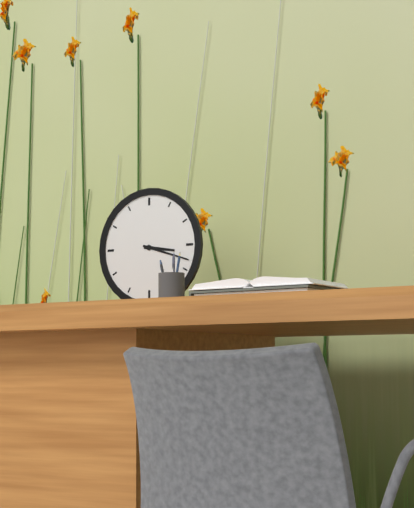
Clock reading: {"hour": 3, "minute": 18}
